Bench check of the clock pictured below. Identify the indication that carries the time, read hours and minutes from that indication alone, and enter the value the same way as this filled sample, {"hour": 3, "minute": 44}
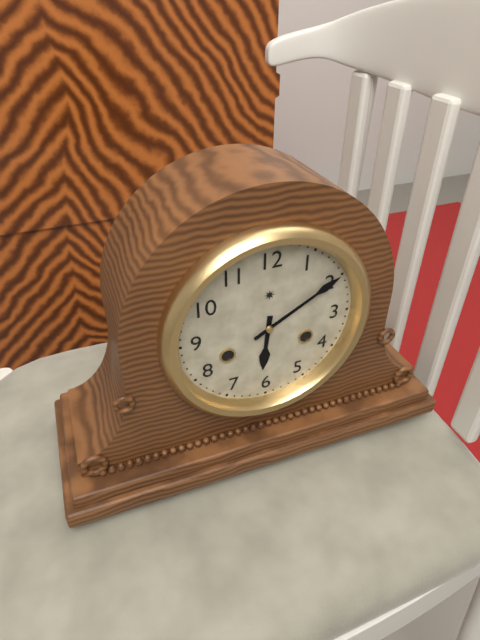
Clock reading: {"hour": 6, "minute": 10}
